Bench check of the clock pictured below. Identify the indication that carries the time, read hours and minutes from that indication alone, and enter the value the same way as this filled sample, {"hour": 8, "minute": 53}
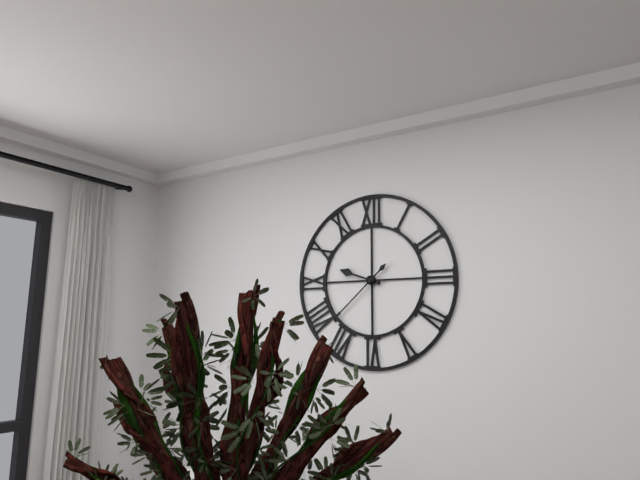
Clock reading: {"hour": 9, "minute": 38}
